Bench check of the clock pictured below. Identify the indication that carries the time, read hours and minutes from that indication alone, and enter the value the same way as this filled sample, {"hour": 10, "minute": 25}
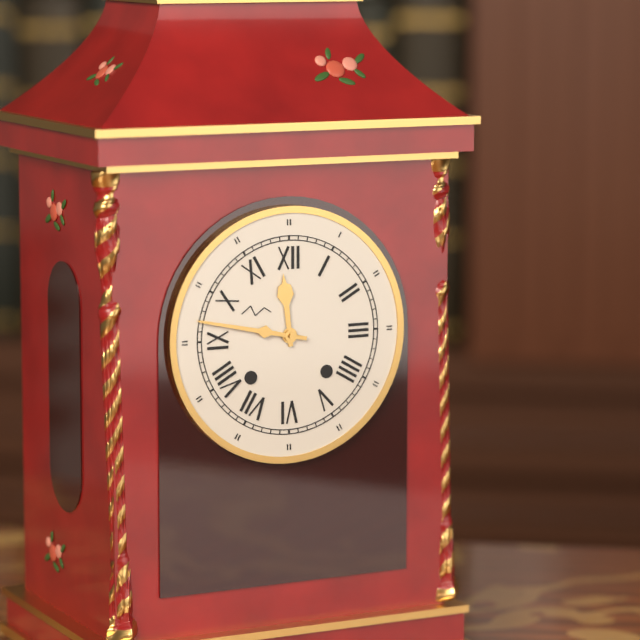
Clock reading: {"hour": 11, "minute": 47}
